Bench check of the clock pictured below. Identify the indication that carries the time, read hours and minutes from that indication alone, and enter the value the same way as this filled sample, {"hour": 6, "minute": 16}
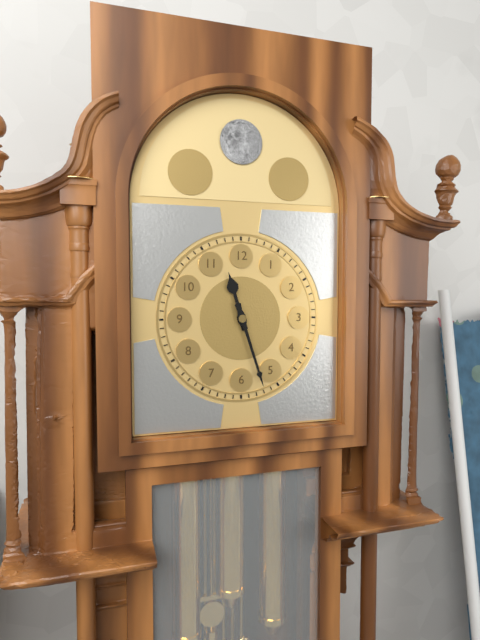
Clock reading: {"hour": 11, "minute": 27}
